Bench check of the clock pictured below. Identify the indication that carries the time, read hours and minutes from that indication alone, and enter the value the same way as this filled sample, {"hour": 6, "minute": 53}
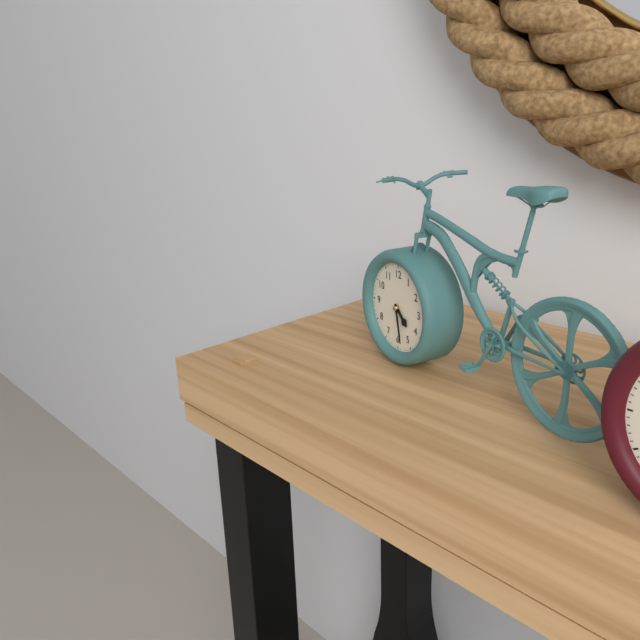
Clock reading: {"hour": 4, "minute": 28}
